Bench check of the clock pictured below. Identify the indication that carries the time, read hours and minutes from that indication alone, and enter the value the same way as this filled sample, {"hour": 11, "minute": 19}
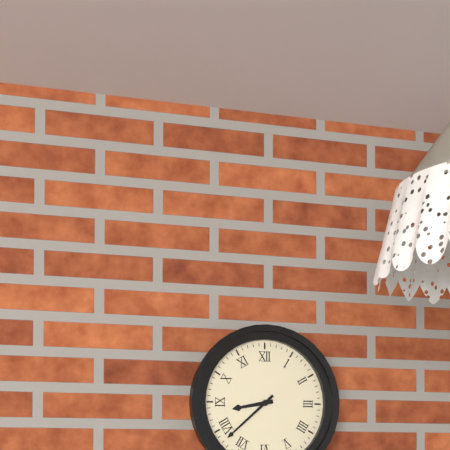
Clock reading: {"hour": 8, "minute": 38}
